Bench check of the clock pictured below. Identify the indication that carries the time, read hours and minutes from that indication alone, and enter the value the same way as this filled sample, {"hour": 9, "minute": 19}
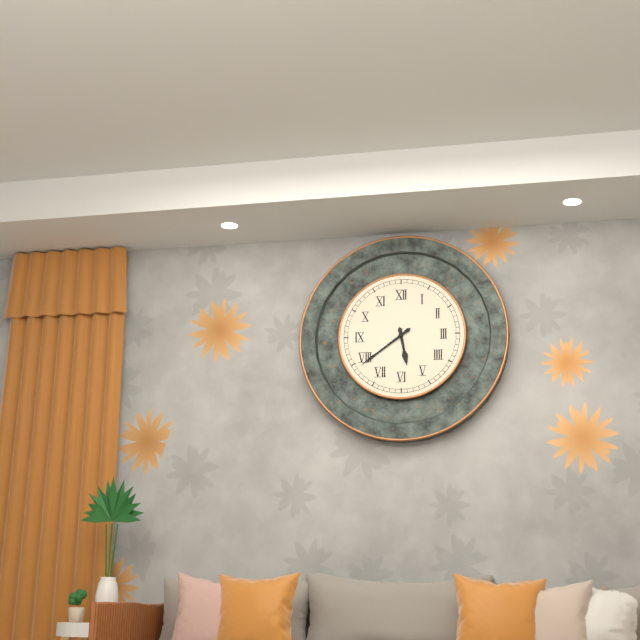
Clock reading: {"hour": 5, "minute": 39}
